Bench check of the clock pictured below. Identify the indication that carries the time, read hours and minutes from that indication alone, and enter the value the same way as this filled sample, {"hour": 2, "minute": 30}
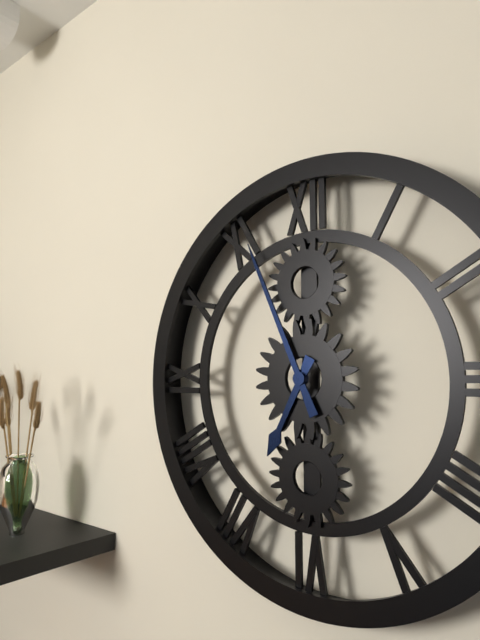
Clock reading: {"hour": 6, "minute": 56}
